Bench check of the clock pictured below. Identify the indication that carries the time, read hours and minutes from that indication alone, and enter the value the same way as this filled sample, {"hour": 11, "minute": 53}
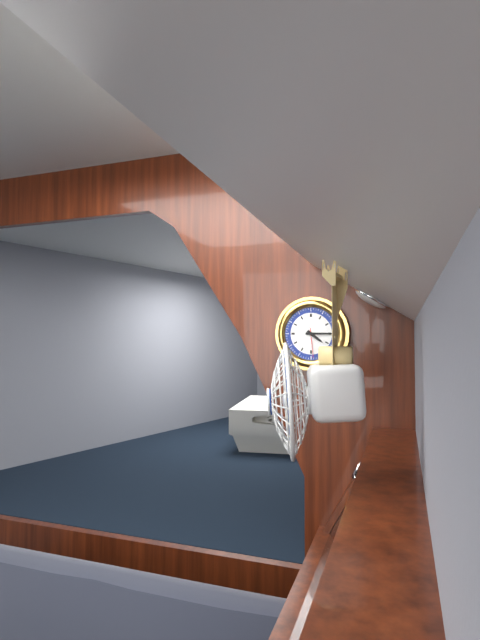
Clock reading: {"hour": 4, "minute": 15}
